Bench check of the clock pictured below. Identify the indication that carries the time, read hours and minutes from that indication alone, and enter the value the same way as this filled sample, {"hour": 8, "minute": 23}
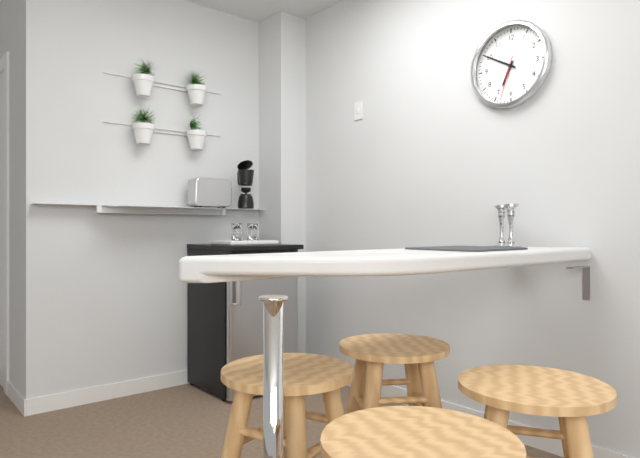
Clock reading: {"hour": 6, "minute": 50}
